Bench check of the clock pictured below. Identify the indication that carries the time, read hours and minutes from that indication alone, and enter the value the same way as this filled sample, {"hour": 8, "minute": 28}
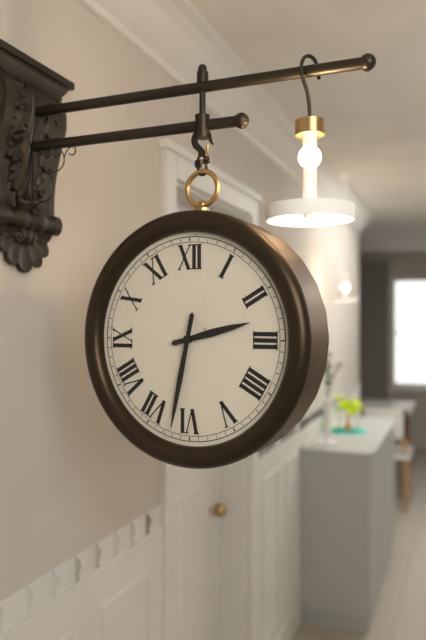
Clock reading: {"hour": 2, "minute": 32}
